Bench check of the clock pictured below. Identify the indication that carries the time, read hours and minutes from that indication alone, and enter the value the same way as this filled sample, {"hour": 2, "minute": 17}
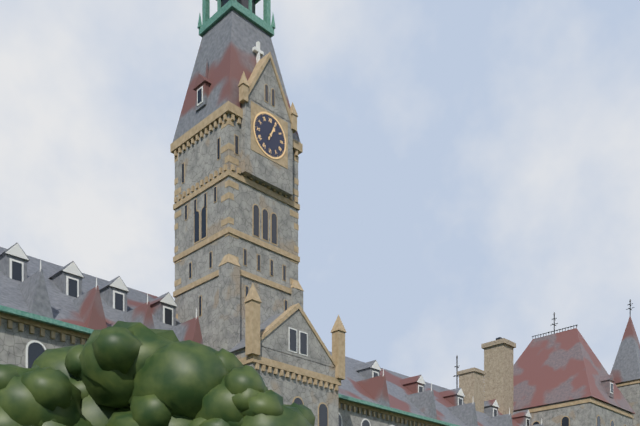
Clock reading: {"hour": 1, "minute": 4}
